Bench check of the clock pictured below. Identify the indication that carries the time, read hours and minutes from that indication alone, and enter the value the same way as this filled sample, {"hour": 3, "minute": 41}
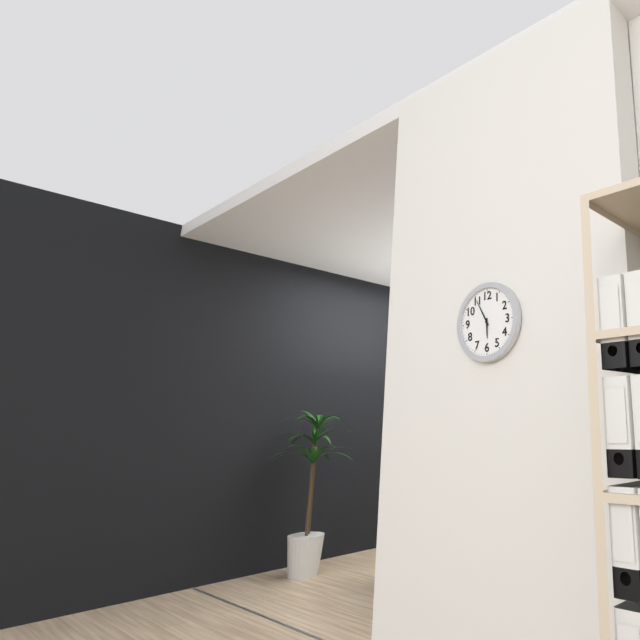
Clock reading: {"hour": 5, "minute": 55}
